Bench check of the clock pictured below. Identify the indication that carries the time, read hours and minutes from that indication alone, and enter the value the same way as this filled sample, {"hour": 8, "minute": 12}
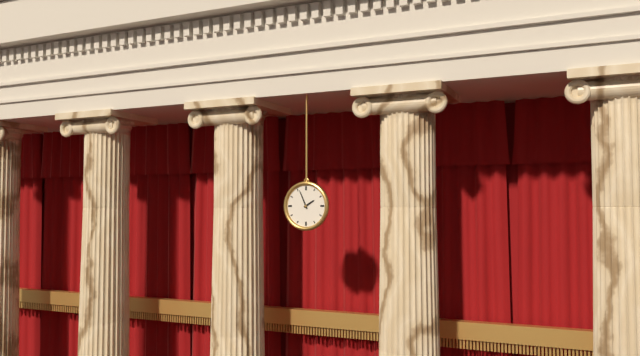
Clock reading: {"hour": 1, "minute": 56}
